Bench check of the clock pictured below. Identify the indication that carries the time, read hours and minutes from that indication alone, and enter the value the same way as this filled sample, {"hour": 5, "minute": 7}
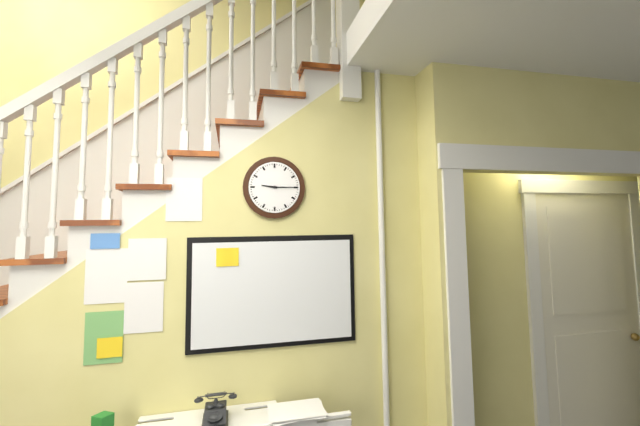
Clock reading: {"hour": 9, "minute": 15}
